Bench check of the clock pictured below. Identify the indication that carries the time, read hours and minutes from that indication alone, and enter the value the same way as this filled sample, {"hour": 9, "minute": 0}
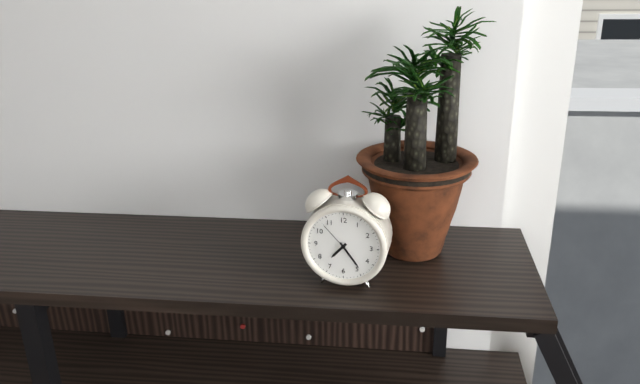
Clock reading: {"hour": 7, "minute": 24}
